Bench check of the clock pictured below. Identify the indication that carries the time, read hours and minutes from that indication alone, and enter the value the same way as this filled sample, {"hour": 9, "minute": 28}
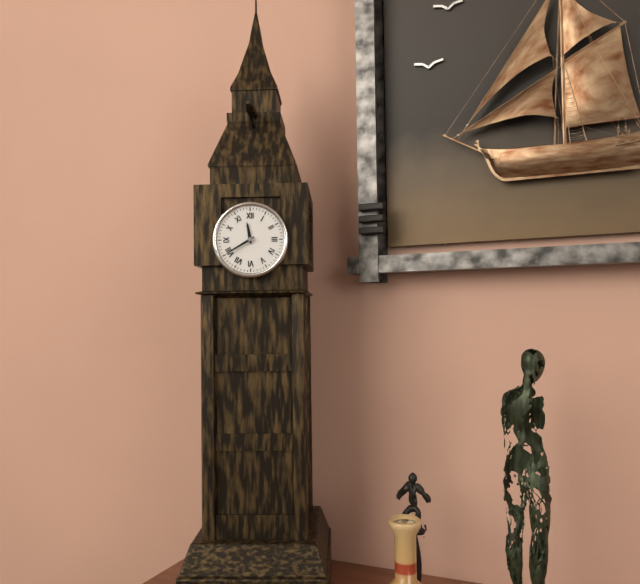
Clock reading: {"hour": 11, "minute": 40}
